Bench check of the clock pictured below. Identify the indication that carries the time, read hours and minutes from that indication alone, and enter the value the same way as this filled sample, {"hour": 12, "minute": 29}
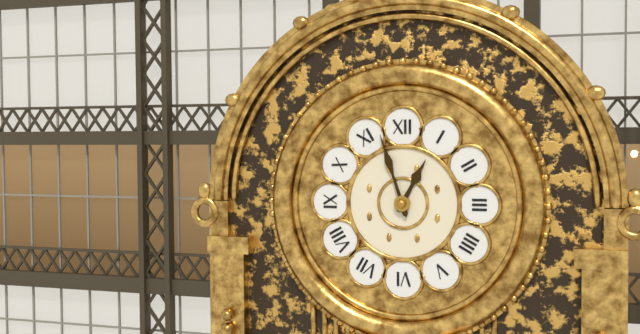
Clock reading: {"hour": 12, "minute": 57}
